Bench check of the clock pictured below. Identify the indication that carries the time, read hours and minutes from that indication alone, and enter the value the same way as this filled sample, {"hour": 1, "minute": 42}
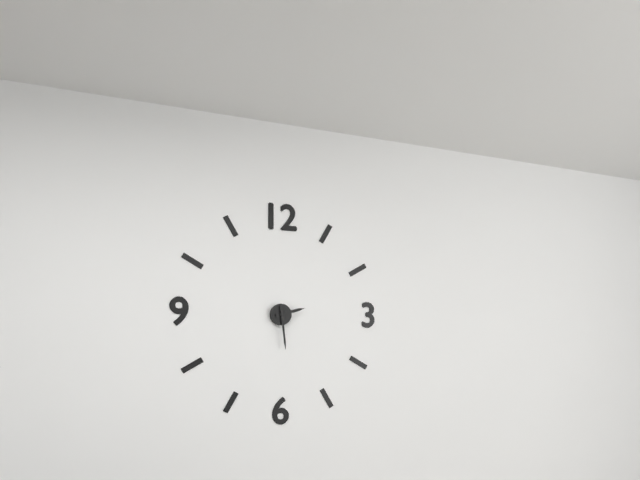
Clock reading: {"hour": 2, "minute": 29}
